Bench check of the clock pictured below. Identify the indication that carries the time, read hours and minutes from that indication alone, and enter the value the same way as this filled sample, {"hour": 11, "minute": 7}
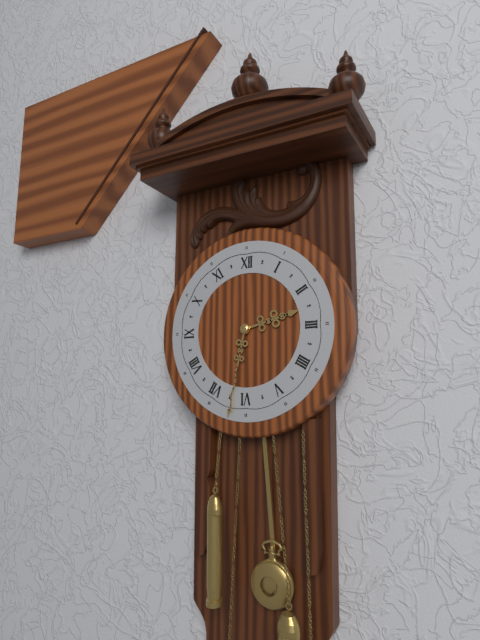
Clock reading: {"hour": 2, "minute": 32}
